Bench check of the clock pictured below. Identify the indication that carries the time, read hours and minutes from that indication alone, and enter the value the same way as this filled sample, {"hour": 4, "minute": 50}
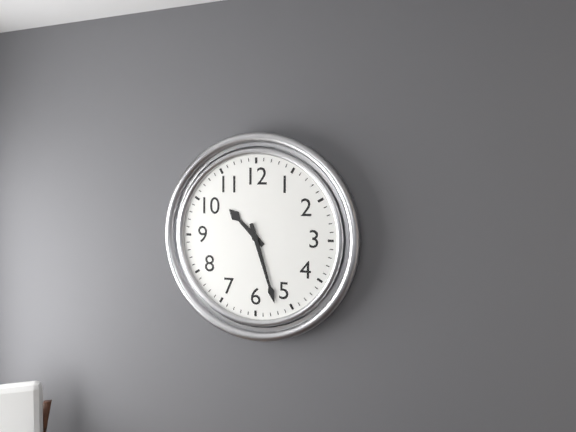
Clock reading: {"hour": 10, "minute": 27}
